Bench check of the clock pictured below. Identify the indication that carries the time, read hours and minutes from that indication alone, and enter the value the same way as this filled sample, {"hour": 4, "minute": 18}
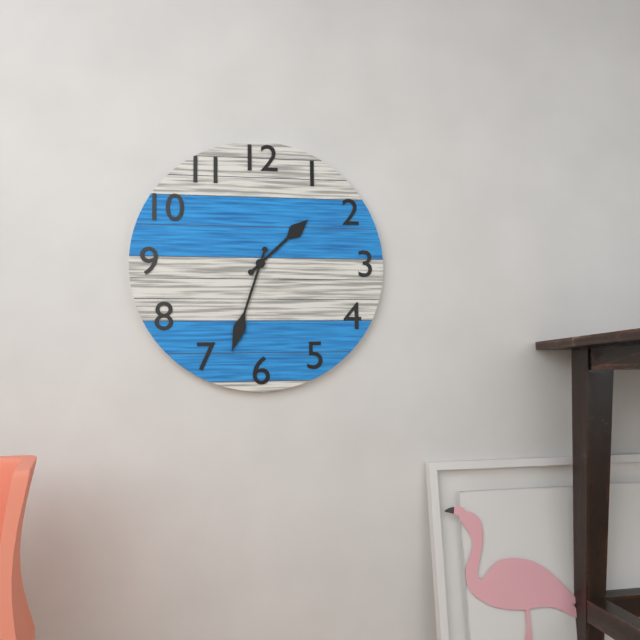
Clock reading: {"hour": 1, "minute": 33}
